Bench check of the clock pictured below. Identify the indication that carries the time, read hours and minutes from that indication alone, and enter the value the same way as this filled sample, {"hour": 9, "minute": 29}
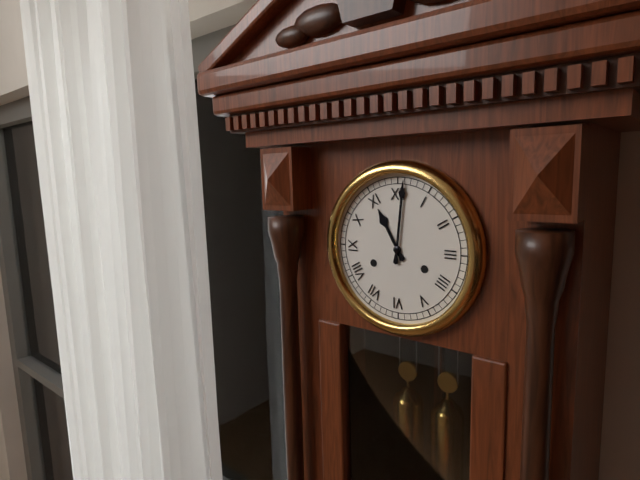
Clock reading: {"hour": 11, "minute": 1}
